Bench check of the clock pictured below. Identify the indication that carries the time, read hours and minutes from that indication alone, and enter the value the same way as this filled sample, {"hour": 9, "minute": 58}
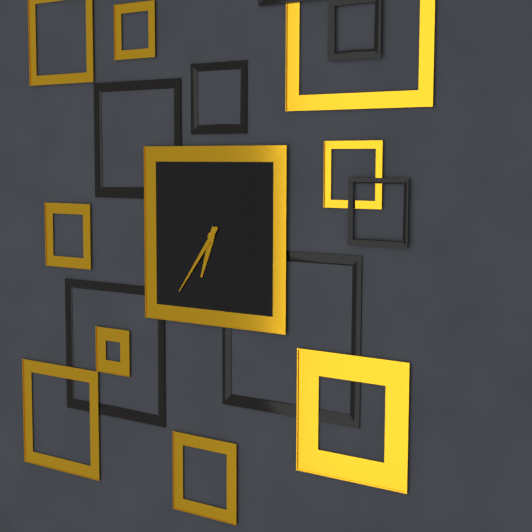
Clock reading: {"hour": 6, "minute": 36}
